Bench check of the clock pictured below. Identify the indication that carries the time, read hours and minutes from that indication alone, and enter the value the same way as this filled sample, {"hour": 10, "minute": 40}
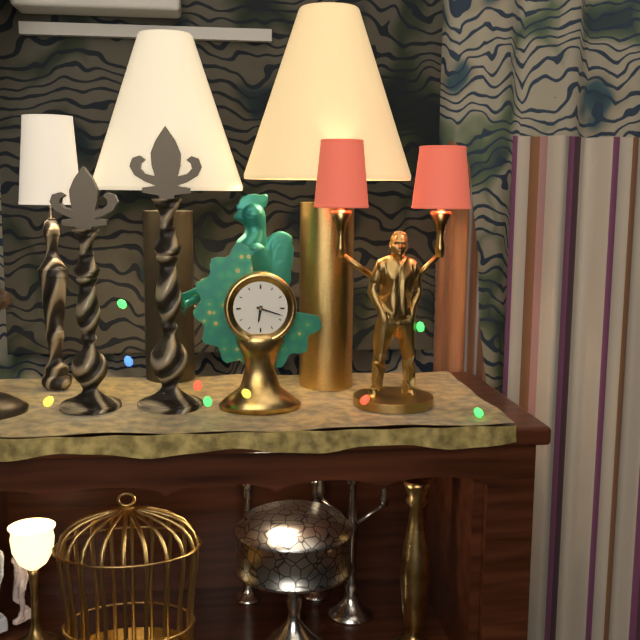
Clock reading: {"hour": 6, "minute": 18}
